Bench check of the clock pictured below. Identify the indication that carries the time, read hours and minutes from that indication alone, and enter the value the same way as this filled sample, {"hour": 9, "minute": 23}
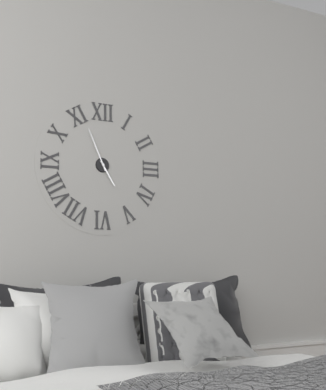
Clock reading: {"hour": 4, "minute": 56}
